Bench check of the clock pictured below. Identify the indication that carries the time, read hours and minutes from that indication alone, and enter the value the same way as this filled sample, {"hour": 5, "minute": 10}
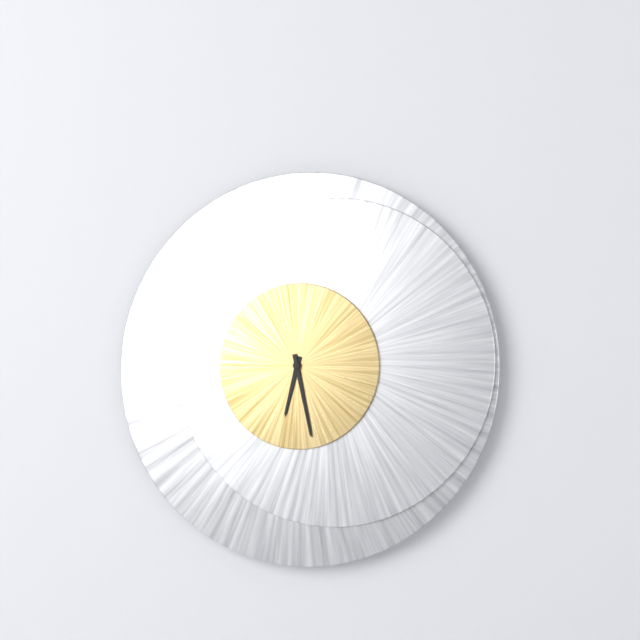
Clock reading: {"hour": 6, "minute": 28}
